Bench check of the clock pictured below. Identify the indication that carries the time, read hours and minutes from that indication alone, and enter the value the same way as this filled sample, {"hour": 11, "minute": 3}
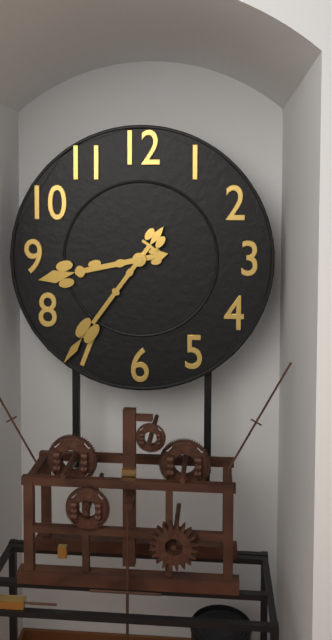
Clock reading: {"hour": 8, "minute": 36}
